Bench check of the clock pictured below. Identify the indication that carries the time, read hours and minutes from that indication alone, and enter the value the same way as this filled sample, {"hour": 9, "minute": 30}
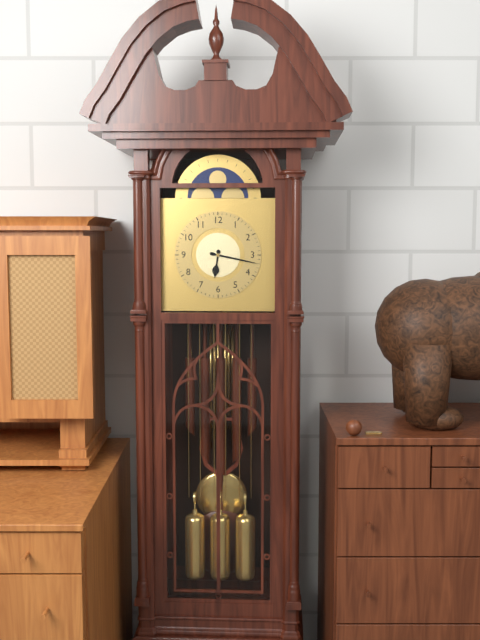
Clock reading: {"hour": 6, "minute": 17}
